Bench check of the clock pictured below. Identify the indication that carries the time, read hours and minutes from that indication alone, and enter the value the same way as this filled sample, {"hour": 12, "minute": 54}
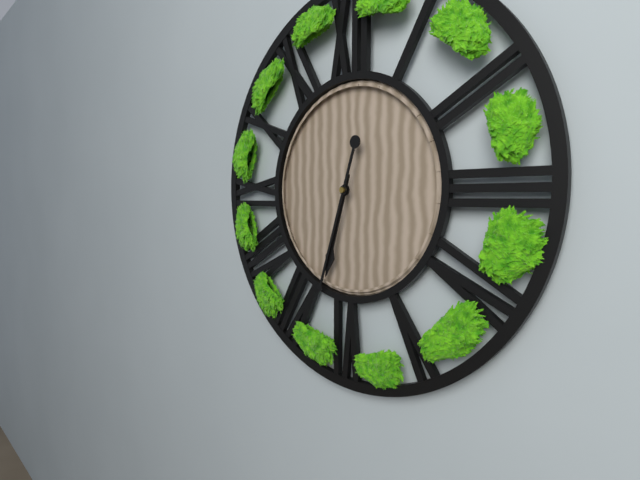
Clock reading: {"hour": 6, "minute": 33}
